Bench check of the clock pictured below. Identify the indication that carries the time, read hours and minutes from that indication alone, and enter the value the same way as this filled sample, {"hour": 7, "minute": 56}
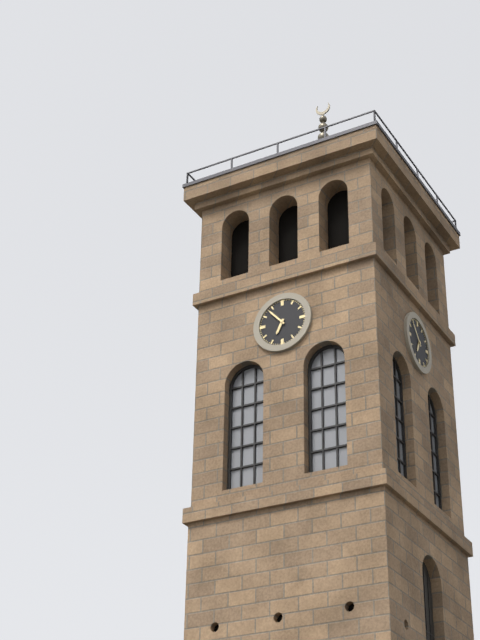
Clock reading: {"hour": 6, "minute": 53}
